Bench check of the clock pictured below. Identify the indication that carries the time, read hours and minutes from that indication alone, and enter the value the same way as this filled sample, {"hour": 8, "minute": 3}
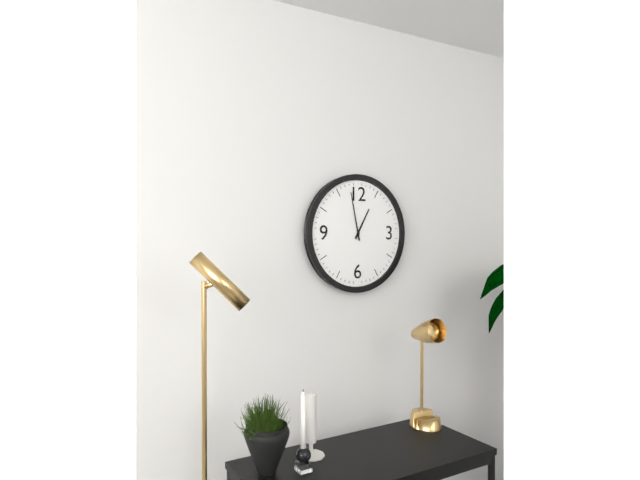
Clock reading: {"hour": 12, "minute": 58}
